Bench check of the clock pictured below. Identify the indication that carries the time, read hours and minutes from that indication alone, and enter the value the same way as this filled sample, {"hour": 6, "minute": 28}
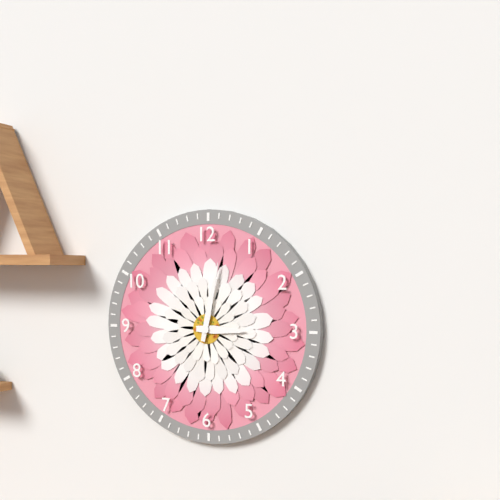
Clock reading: {"hour": 3, "minute": 2}
